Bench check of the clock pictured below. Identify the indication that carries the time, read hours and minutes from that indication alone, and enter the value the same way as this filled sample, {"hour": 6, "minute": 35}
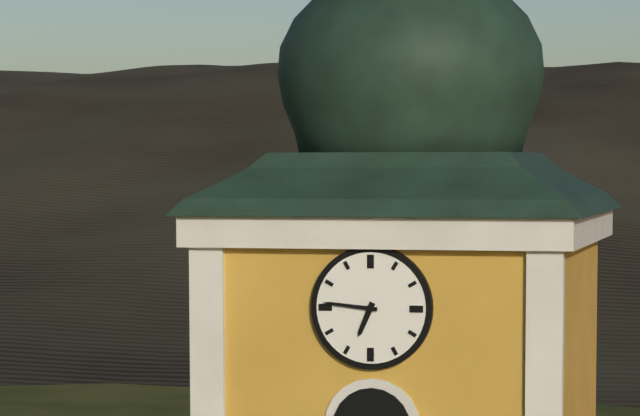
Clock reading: {"hour": 6, "minute": 46}
